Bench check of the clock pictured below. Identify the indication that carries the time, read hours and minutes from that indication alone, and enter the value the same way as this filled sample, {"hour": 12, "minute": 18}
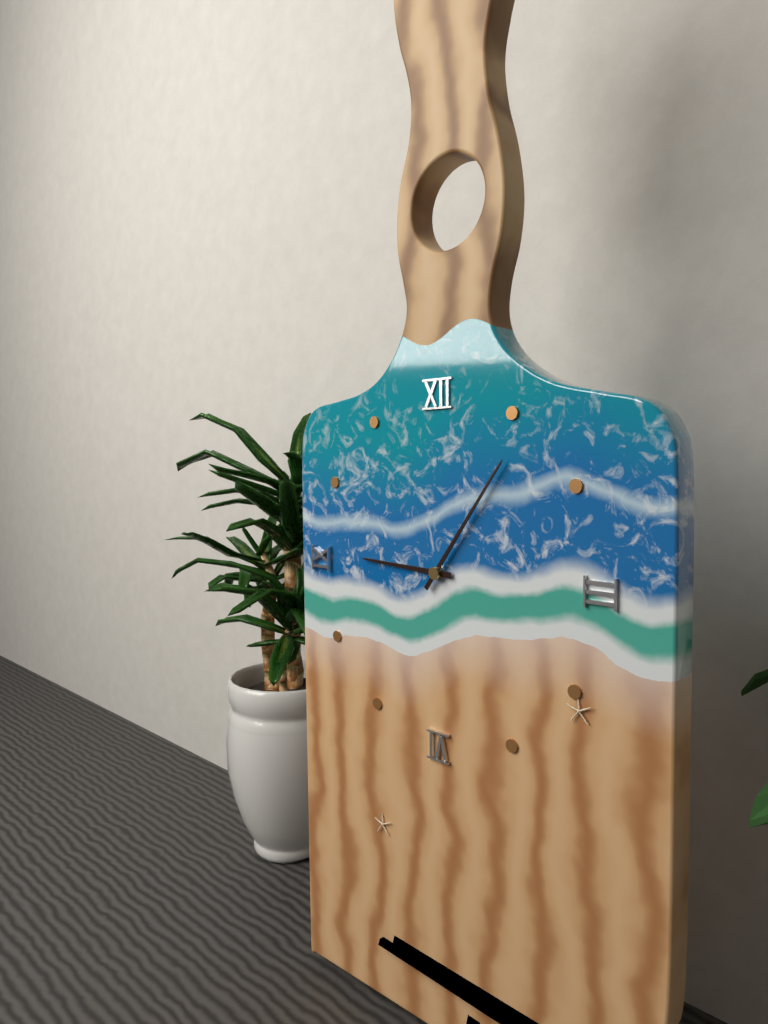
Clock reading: {"hour": 9, "minute": 6}
